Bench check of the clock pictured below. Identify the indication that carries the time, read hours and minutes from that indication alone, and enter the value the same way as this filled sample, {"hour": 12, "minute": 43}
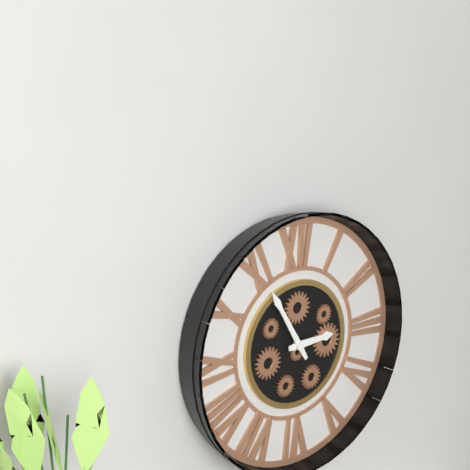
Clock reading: {"hour": 2, "minute": 55}
